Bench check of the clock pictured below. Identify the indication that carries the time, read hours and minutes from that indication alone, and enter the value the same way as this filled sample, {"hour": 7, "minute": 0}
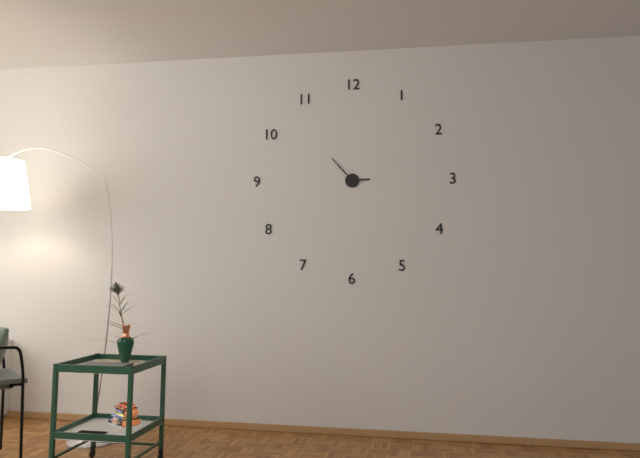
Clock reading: {"hour": 2, "minute": 53}
